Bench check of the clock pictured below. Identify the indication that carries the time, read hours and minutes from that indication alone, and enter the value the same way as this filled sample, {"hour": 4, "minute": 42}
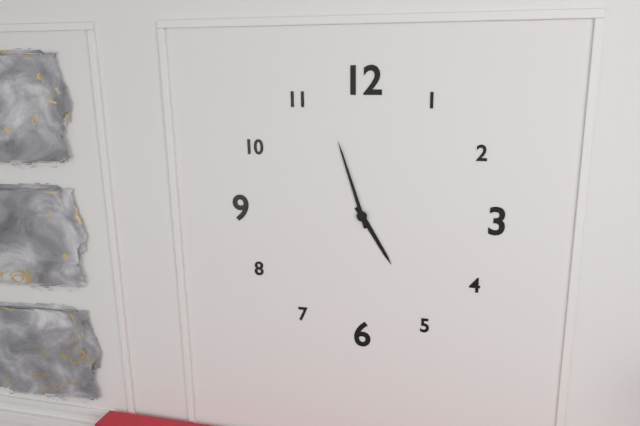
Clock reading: {"hour": 4, "minute": 57}
